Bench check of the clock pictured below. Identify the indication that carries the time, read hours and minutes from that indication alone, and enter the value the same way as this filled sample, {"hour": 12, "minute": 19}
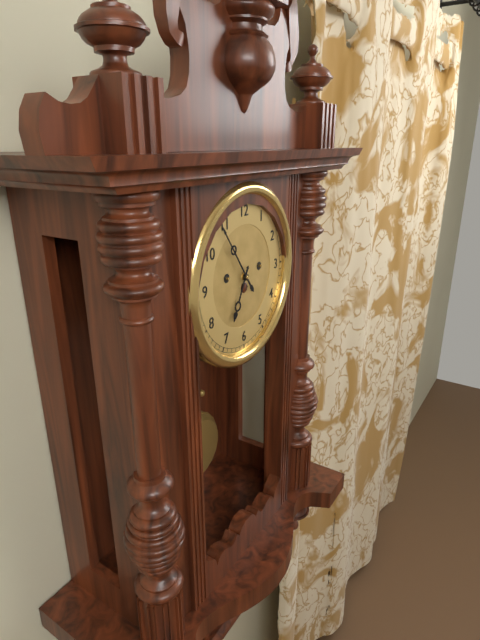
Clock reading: {"hour": 6, "minute": 54}
